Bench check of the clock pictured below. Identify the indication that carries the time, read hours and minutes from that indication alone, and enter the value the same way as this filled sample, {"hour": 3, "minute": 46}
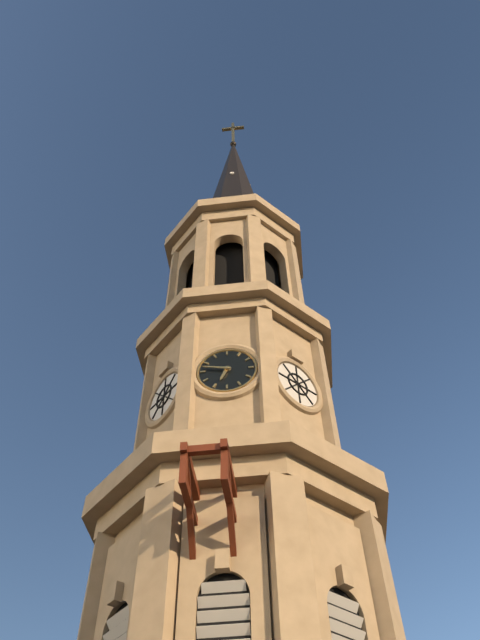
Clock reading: {"hour": 6, "minute": 47}
